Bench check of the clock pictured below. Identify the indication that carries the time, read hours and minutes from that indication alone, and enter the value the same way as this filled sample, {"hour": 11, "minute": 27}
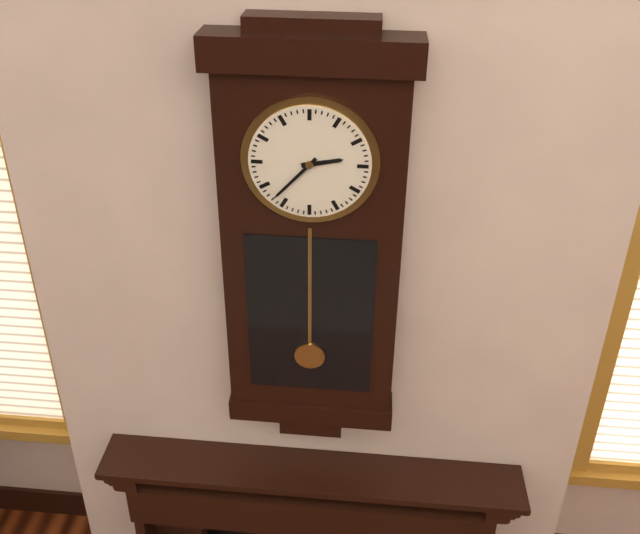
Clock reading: {"hour": 2, "minute": 37}
